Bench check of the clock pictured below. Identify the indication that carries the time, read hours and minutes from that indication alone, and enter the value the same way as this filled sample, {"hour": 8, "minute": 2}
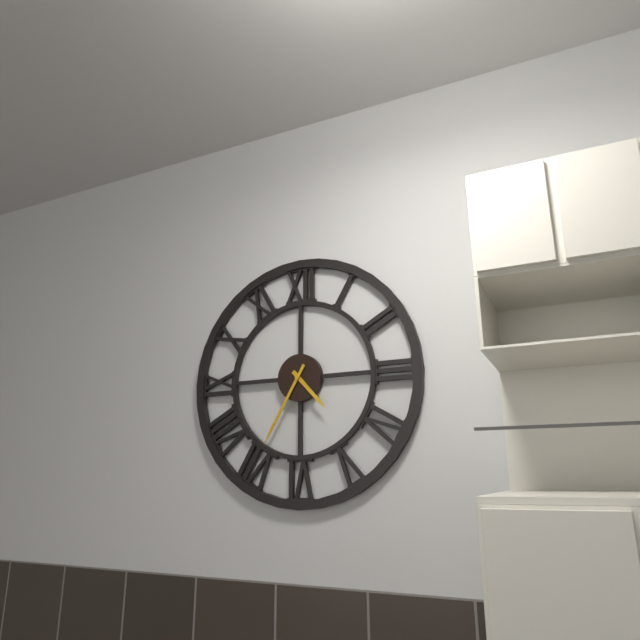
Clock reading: {"hour": 4, "minute": 35}
